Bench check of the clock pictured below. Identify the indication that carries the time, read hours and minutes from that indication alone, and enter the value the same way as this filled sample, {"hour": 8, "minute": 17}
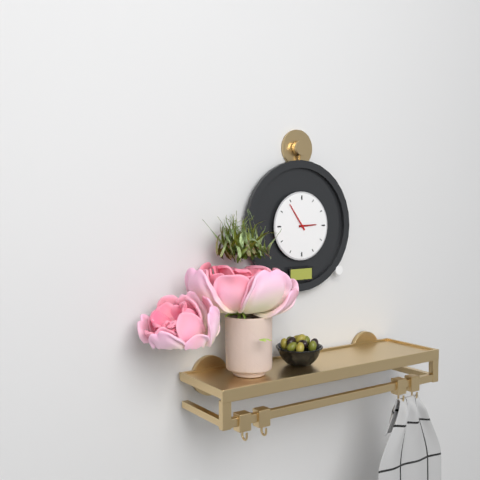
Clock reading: {"hour": 2, "minute": 54}
